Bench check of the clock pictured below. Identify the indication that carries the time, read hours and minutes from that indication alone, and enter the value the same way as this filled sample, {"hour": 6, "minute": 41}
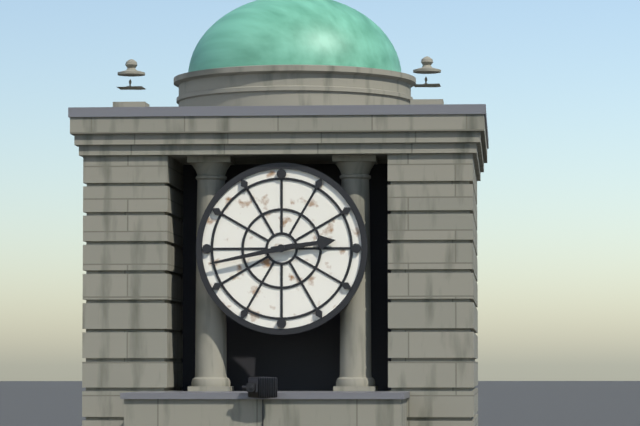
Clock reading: {"hour": 2, "minute": 43}
